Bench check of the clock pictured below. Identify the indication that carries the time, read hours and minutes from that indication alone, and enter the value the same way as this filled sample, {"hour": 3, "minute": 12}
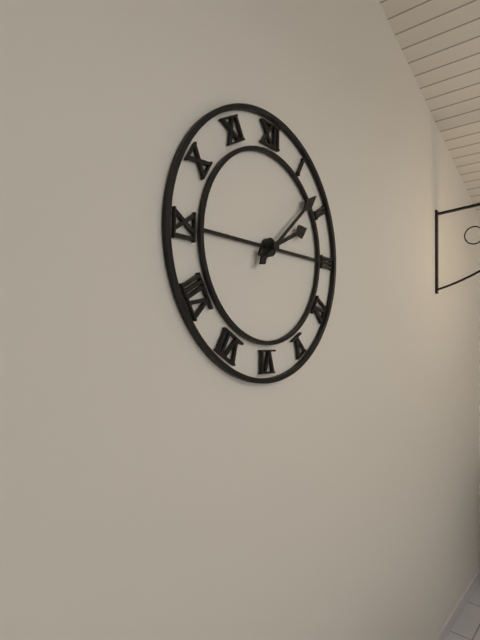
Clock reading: {"hour": 2, "minute": 8}
